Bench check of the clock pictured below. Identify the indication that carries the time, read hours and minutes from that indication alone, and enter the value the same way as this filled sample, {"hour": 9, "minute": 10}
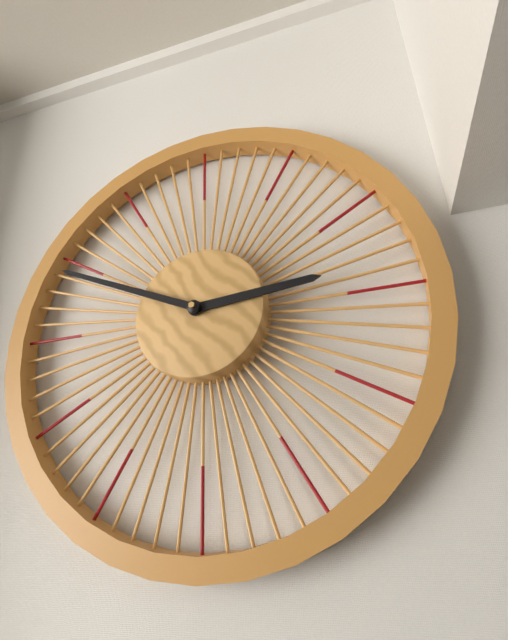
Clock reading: {"hour": 2, "minute": 49}
